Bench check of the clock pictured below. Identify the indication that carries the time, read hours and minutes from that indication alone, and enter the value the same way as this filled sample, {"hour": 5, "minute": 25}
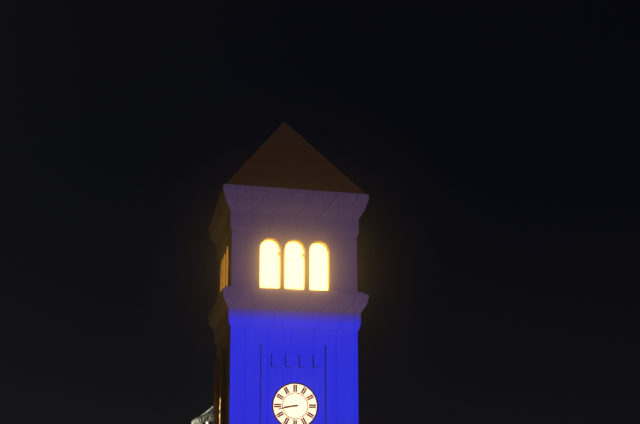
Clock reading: {"hour": 8, "minute": 43}
